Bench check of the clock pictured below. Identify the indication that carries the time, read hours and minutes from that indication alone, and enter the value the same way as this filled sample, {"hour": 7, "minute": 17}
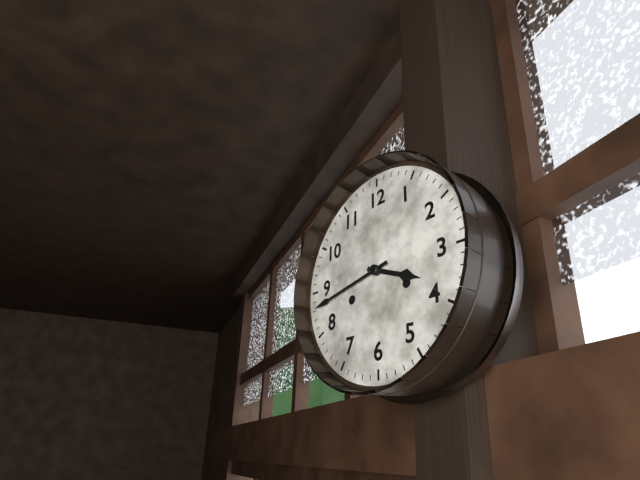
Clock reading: {"hour": 3, "minute": 43}
